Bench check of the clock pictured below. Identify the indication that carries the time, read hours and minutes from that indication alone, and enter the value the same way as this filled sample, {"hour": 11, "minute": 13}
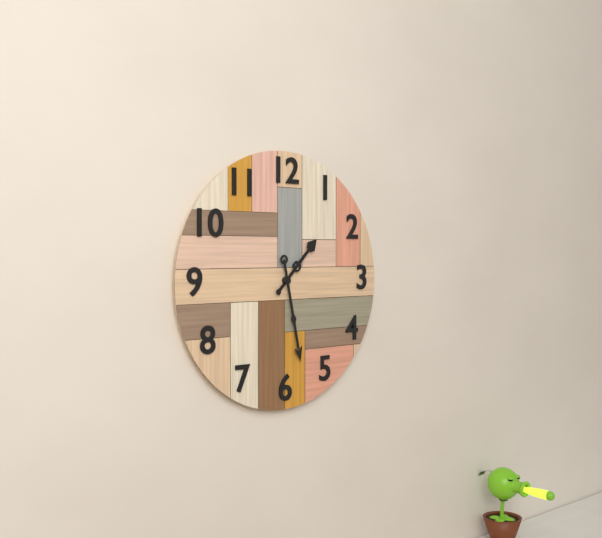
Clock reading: {"hour": 1, "minute": 28}
